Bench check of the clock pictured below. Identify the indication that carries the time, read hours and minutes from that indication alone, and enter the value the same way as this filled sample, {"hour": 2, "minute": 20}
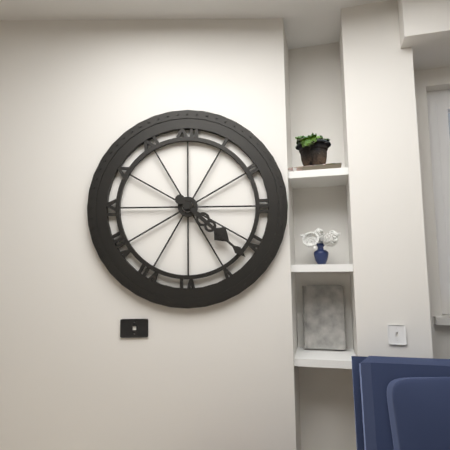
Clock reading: {"hour": 4, "minute": 22}
